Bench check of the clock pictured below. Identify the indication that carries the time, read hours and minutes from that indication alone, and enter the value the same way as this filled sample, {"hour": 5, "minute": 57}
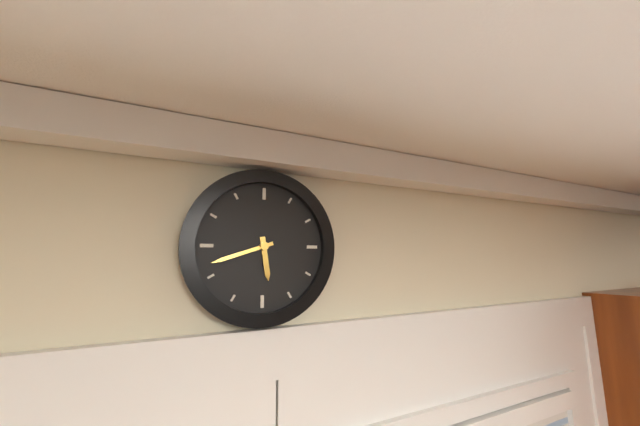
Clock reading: {"hour": 5, "minute": 42}
